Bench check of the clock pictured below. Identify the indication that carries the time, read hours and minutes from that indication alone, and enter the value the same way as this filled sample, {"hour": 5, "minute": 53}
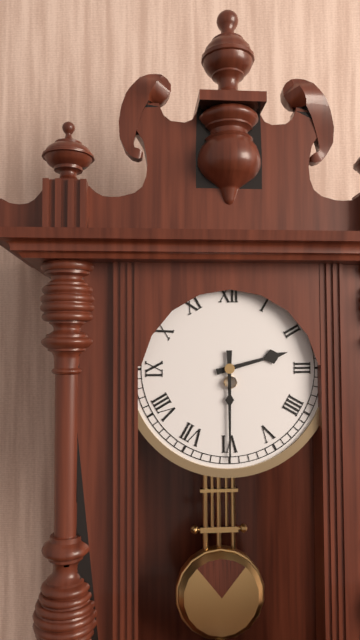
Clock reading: {"hour": 2, "minute": 30}
